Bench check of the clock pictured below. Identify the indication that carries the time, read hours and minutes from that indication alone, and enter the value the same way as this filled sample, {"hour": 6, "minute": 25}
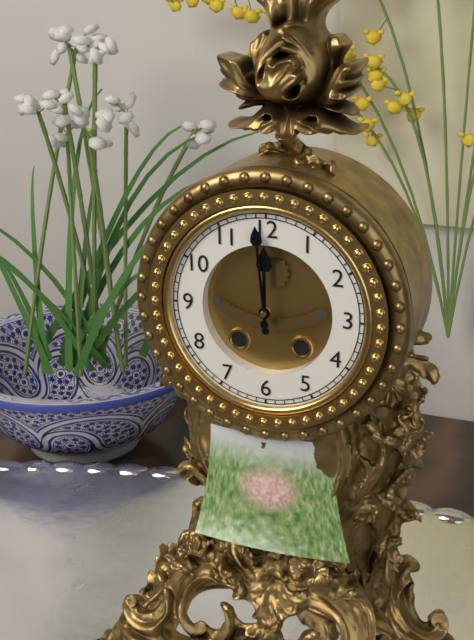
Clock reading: {"hour": 11, "minute": 59}
